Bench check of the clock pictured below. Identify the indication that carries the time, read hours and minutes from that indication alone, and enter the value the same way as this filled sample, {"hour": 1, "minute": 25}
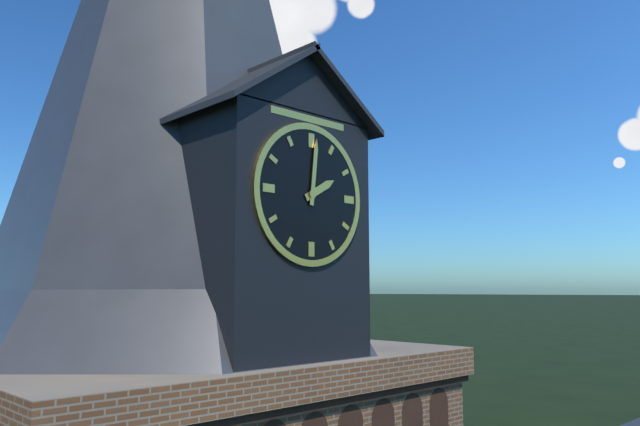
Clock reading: {"hour": 2, "minute": 1}
